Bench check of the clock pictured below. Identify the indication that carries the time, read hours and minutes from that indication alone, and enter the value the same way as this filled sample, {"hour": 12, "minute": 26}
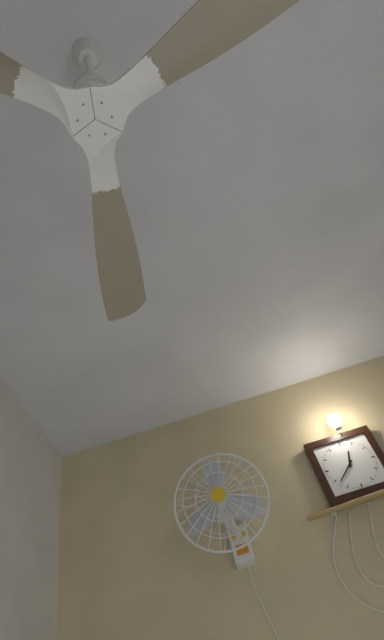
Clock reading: {"hour": 12, "minute": 38}
